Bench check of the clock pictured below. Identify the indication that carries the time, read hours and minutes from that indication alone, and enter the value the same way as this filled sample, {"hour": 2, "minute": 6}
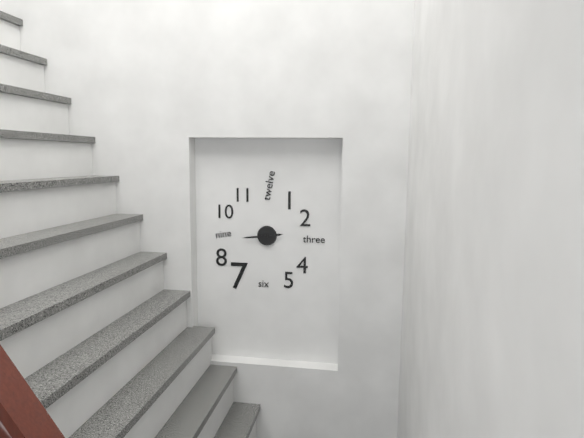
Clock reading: {"hour": 2, "minute": 44}
